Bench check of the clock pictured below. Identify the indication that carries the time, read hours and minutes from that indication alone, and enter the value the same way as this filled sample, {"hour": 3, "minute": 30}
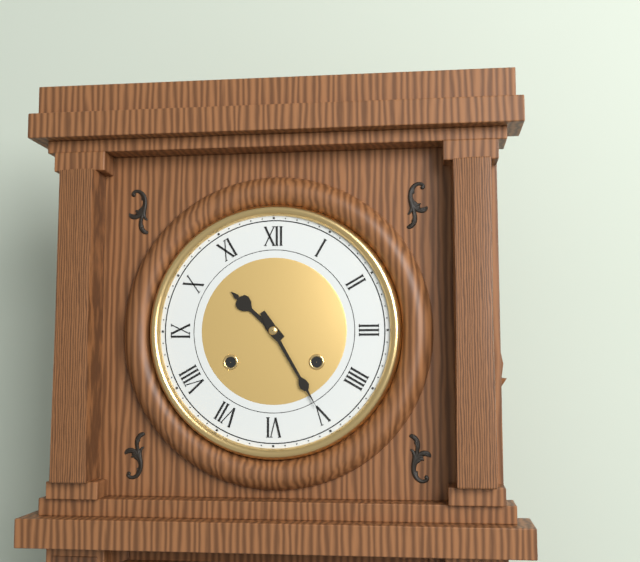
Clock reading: {"hour": 10, "minute": 25}
